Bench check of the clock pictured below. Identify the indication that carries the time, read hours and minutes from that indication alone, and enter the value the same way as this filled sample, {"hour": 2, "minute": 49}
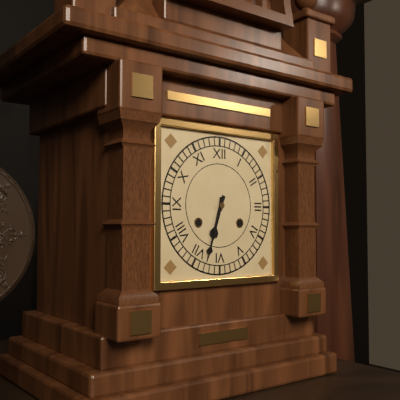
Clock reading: {"hour": 6, "minute": 33}
